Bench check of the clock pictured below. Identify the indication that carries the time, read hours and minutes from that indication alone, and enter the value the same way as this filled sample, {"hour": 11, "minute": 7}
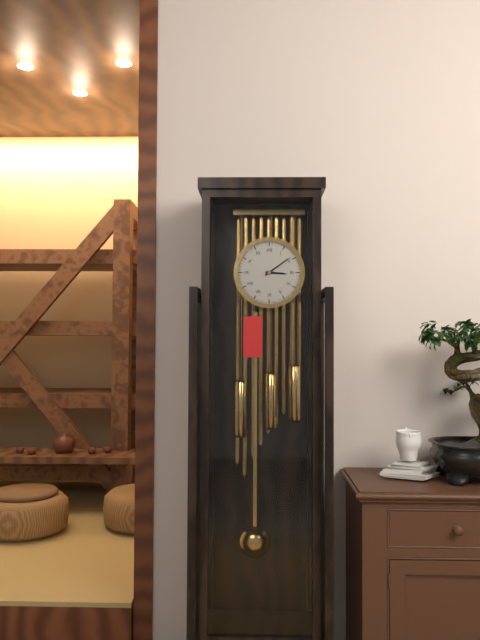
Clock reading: {"hour": 3, "minute": 9}
